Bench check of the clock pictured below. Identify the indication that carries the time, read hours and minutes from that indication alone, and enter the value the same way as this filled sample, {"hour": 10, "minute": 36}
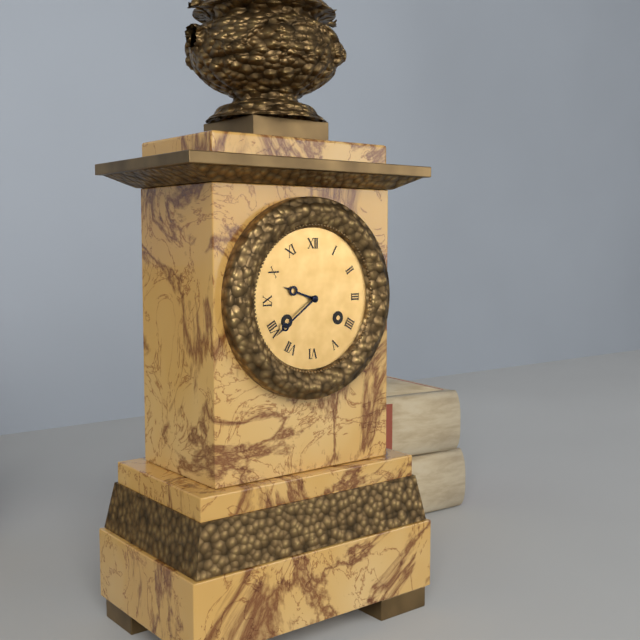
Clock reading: {"hour": 9, "minute": 39}
